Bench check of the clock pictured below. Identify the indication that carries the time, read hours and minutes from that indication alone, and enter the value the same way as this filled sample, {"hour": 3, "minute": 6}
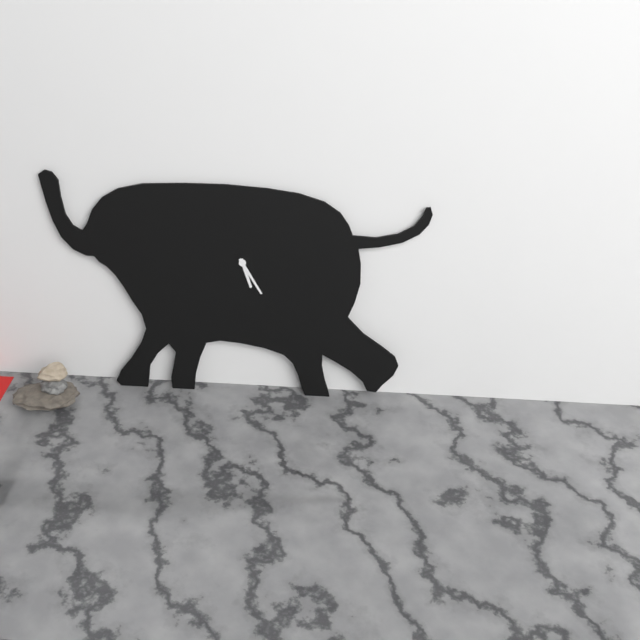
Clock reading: {"hour": 5, "minute": 25}
